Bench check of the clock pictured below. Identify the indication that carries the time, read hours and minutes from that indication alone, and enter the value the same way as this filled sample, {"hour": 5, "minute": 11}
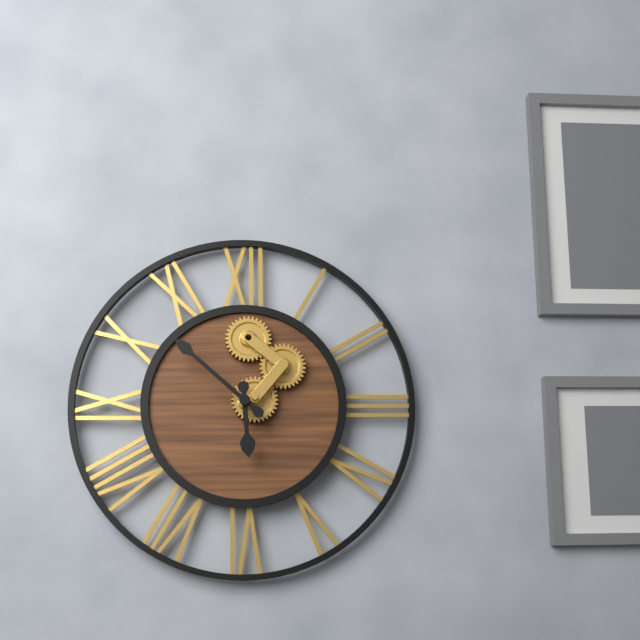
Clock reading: {"hour": 5, "minute": 52}
